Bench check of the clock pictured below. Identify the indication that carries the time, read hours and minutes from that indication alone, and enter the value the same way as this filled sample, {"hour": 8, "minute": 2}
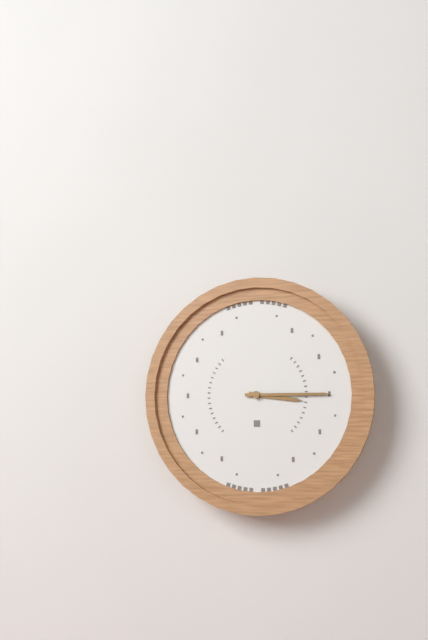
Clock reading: {"hour": 3, "minute": 15}
